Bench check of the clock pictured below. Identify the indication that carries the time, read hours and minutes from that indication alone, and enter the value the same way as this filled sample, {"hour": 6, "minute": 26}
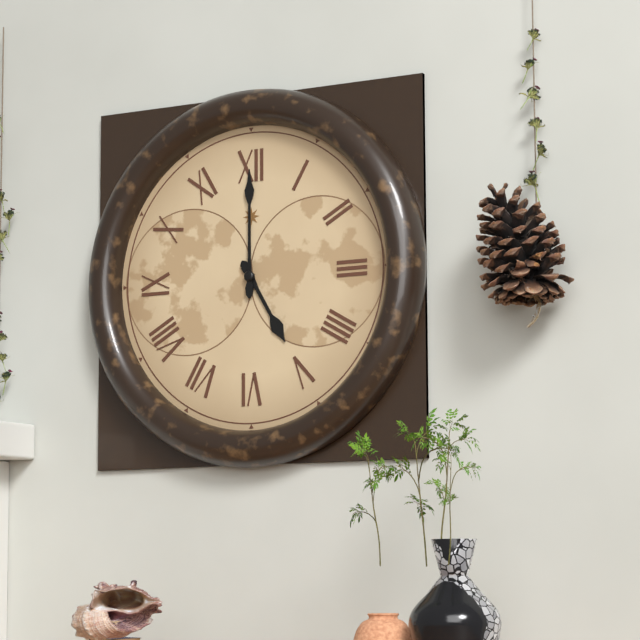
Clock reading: {"hour": 5, "minute": 0}
